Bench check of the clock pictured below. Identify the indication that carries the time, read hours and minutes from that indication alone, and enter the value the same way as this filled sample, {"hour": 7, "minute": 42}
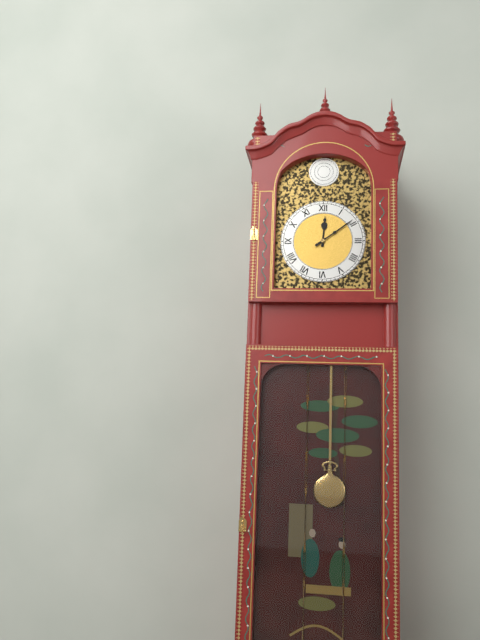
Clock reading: {"hour": 12, "minute": 9}
